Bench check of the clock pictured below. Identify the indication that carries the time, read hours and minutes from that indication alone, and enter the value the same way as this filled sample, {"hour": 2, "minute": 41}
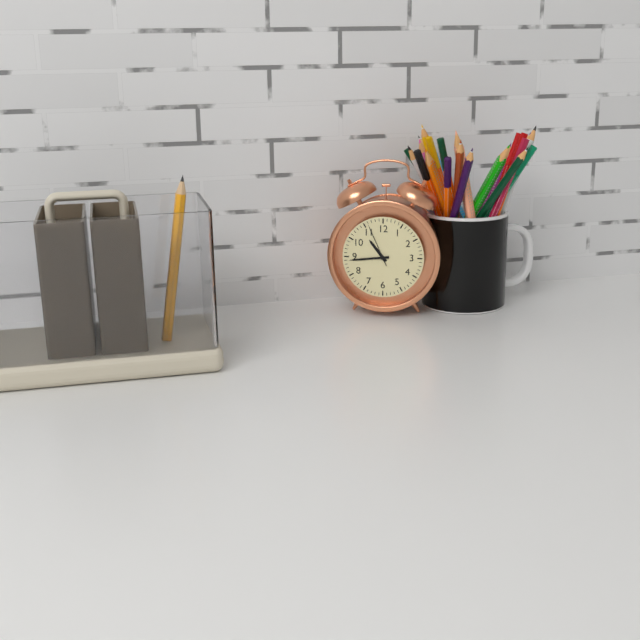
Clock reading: {"hour": 10, "minute": 44}
